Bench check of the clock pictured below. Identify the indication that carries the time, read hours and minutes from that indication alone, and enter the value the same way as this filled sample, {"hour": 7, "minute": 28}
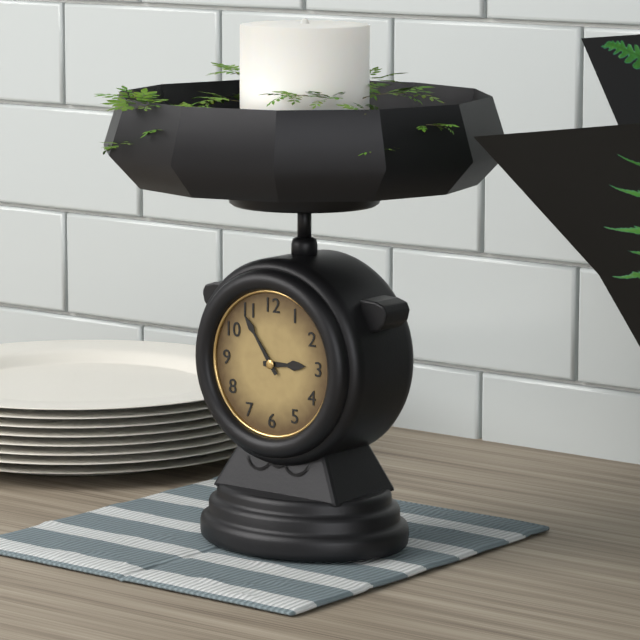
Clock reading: {"hour": 2, "minute": 54}
